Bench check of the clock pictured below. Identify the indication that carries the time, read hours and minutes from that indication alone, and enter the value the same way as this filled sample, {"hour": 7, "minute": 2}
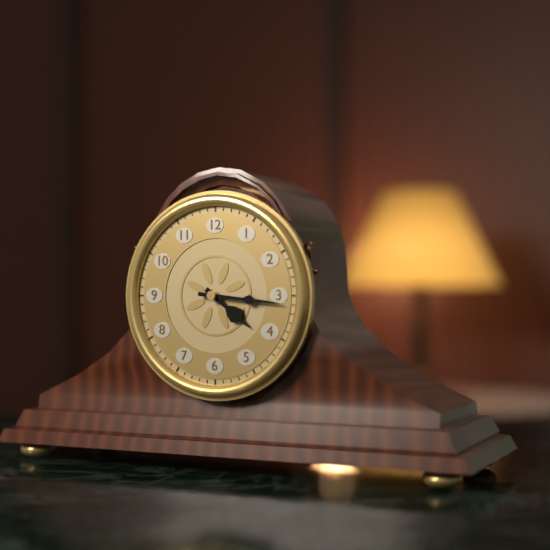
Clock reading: {"hour": 4, "minute": 16}
